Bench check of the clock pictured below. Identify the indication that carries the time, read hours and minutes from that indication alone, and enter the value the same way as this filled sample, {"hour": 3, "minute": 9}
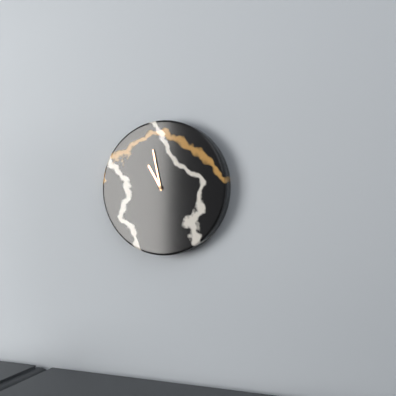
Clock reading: {"hour": 10, "minute": 58}
